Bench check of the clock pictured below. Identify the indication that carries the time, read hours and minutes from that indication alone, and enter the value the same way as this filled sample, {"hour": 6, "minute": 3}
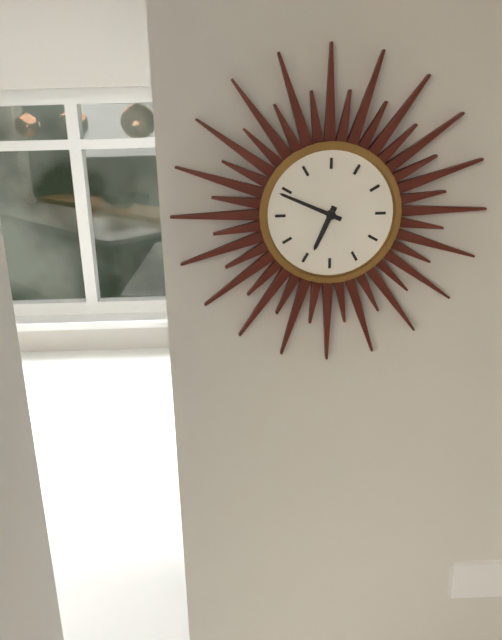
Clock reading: {"hour": 6, "minute": 49}
